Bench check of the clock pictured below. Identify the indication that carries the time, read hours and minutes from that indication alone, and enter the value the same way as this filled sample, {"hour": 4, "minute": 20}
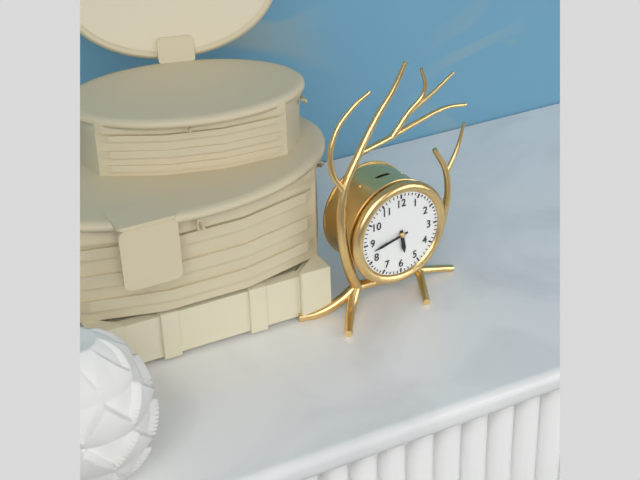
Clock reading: {"hour": 5, "minute": 43}
